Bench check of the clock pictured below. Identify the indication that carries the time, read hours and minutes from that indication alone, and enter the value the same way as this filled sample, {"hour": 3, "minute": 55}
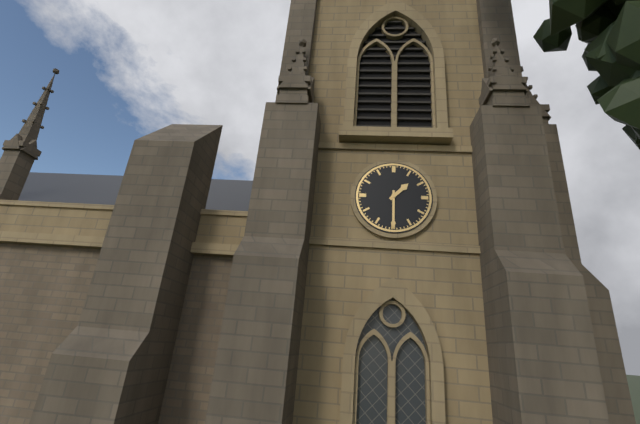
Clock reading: {"hour": 1, "minute": 30}
